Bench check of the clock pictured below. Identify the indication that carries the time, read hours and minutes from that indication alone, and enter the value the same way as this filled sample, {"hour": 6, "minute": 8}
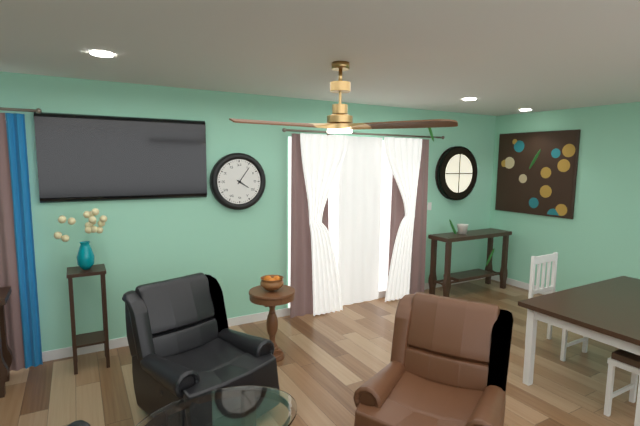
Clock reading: {"hour": 4, "minute": 6}
